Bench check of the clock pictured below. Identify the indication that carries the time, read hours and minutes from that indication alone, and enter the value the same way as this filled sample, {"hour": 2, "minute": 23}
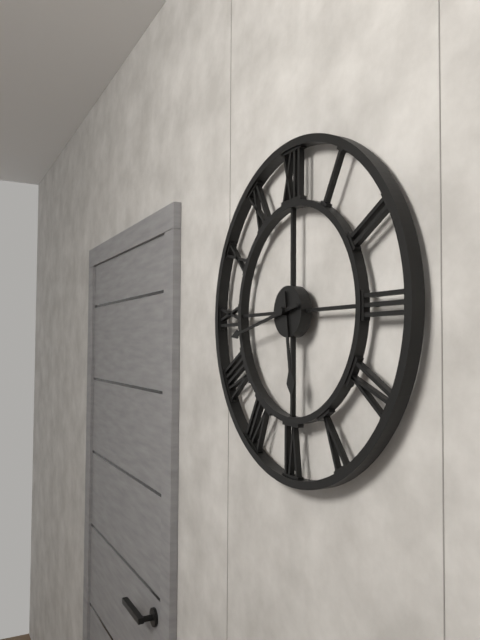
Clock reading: {"hour": 5, "minute": 43}
